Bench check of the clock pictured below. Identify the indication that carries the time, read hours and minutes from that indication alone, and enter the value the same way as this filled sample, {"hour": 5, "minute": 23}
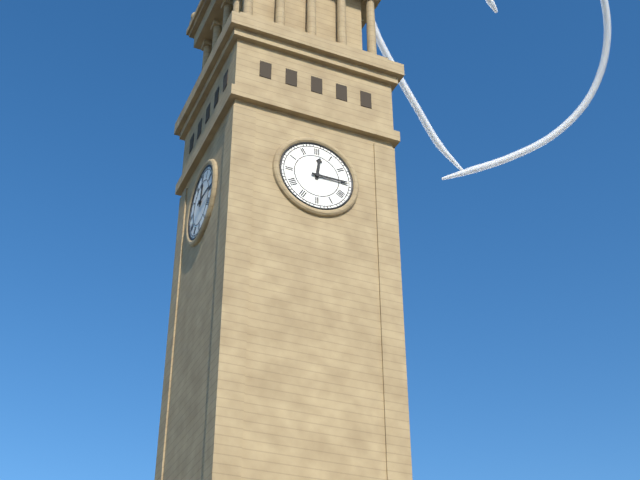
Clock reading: {"hour": 12, "minute": 15}
